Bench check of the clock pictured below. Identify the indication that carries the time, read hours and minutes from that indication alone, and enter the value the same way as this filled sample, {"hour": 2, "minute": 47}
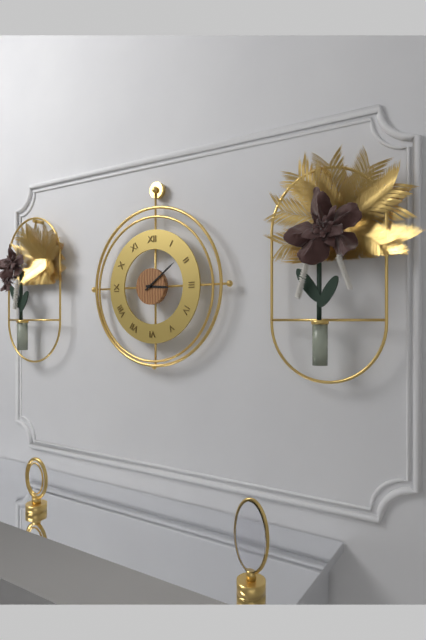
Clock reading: {"hour": 3, "minute": 9}
